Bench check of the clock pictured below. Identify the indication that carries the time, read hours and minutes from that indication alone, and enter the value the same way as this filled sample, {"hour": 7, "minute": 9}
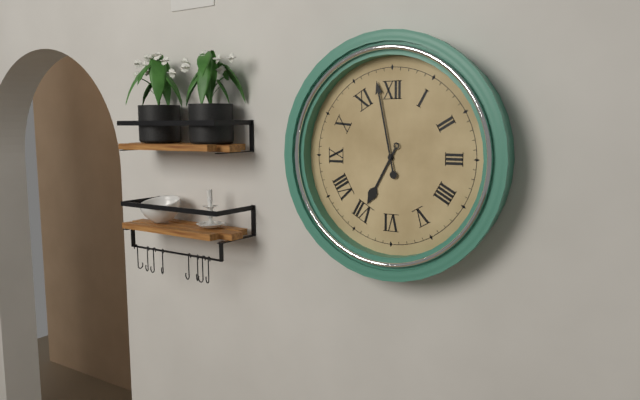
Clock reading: {"hour": 6, "minute": 58}
